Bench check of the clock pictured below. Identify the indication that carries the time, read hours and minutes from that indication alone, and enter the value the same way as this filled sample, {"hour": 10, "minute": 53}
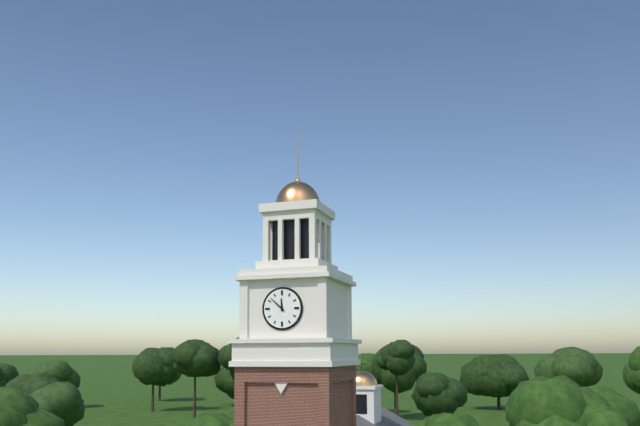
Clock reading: {"hour": 11, "minute": 52}
